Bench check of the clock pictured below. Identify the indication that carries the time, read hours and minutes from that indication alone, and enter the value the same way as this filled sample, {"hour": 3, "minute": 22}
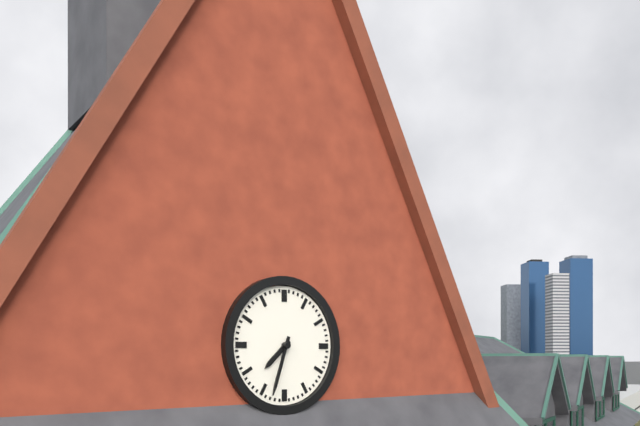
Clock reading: {"hour": 7, "minute": 33}
